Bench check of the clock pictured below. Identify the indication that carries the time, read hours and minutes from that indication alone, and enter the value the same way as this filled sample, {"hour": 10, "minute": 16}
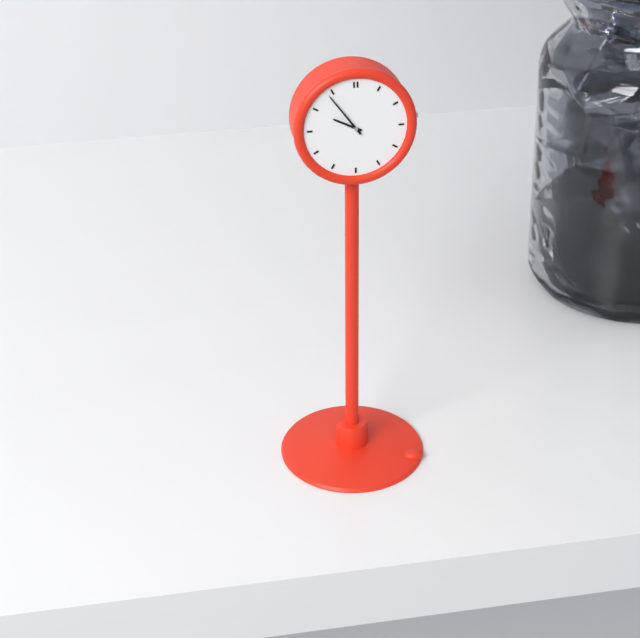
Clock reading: {"hour": 9, "minute": 54}
